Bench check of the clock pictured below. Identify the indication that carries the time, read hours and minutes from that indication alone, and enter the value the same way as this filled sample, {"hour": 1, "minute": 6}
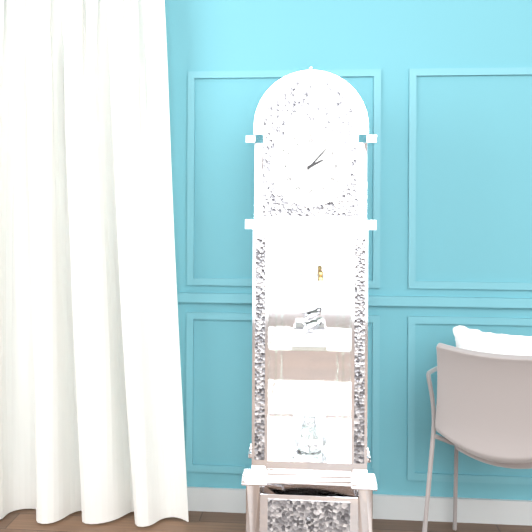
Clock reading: {"hour": 2, "minute": 7}
